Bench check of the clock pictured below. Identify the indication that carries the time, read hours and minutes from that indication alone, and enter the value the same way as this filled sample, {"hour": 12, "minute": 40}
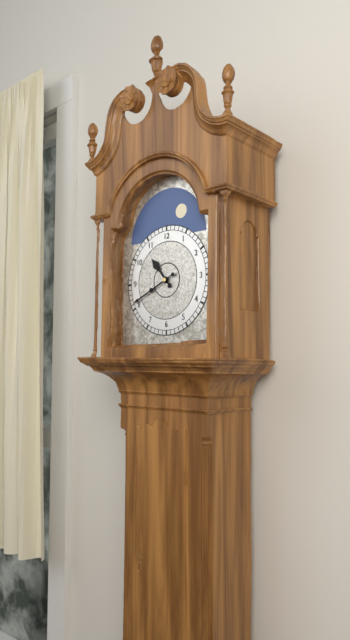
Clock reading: {"hour": 10, "minute": 41}
